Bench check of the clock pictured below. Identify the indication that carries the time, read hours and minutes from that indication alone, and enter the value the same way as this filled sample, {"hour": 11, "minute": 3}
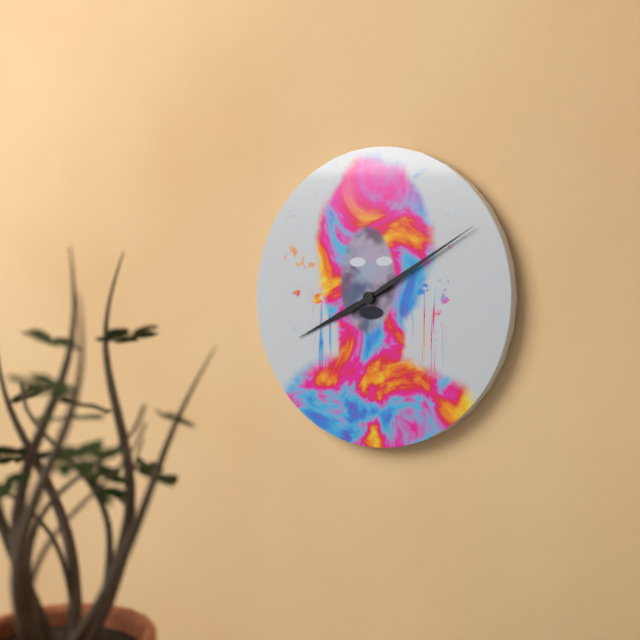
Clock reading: {"hour": 8, "minute": 10}
